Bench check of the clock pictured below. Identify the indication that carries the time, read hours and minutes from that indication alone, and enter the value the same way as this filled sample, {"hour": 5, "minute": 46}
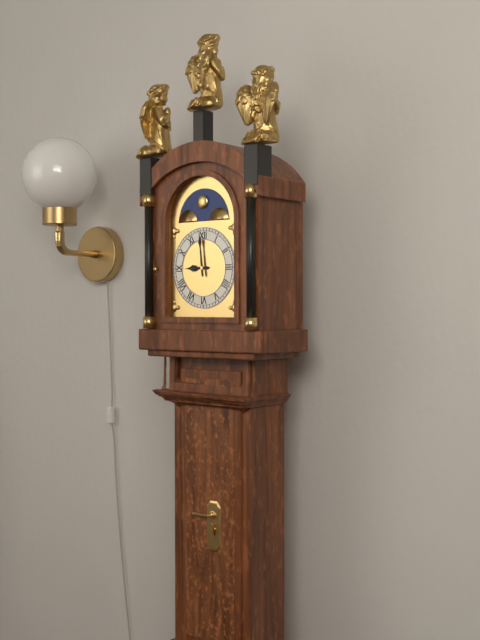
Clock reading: {"hour": 8, "minute": 59}
